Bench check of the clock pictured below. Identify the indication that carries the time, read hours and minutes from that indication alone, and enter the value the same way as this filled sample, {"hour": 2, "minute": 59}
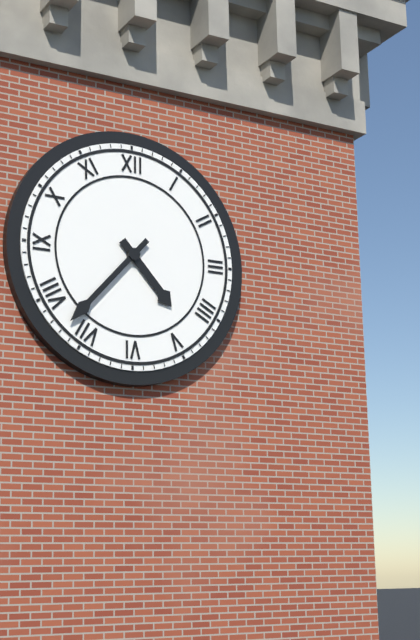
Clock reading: {"hour": 4, "minute": 37}
